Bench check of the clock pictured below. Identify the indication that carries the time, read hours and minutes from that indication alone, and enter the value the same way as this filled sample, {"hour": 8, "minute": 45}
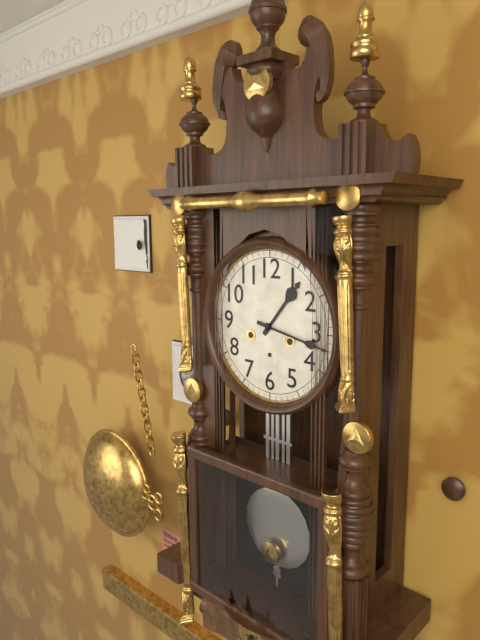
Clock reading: {"hour": 1, "minute": 17}
